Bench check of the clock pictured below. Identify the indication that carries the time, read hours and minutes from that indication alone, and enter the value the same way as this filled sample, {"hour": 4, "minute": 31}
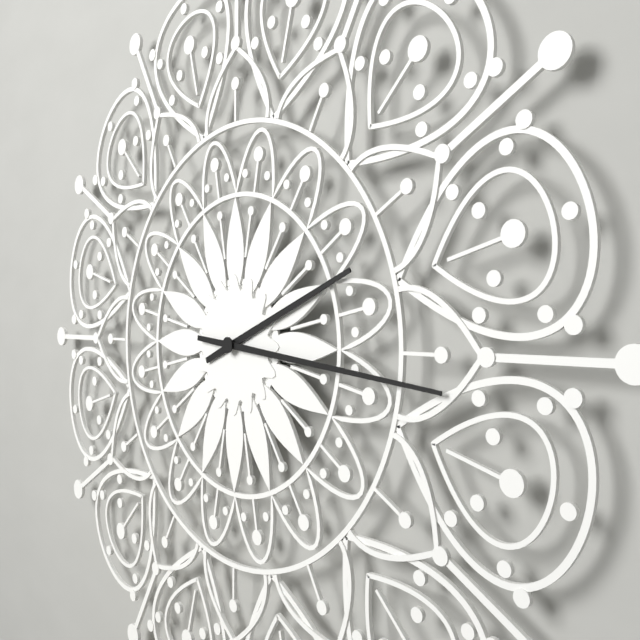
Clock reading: {"hour": 2, "minute": 16}
